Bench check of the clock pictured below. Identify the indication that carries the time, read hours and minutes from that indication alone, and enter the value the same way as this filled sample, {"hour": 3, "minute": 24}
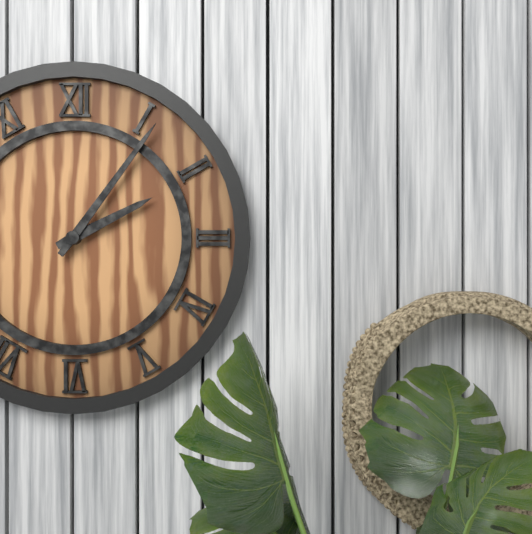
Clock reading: {"hour": 2, "minute": 6}
